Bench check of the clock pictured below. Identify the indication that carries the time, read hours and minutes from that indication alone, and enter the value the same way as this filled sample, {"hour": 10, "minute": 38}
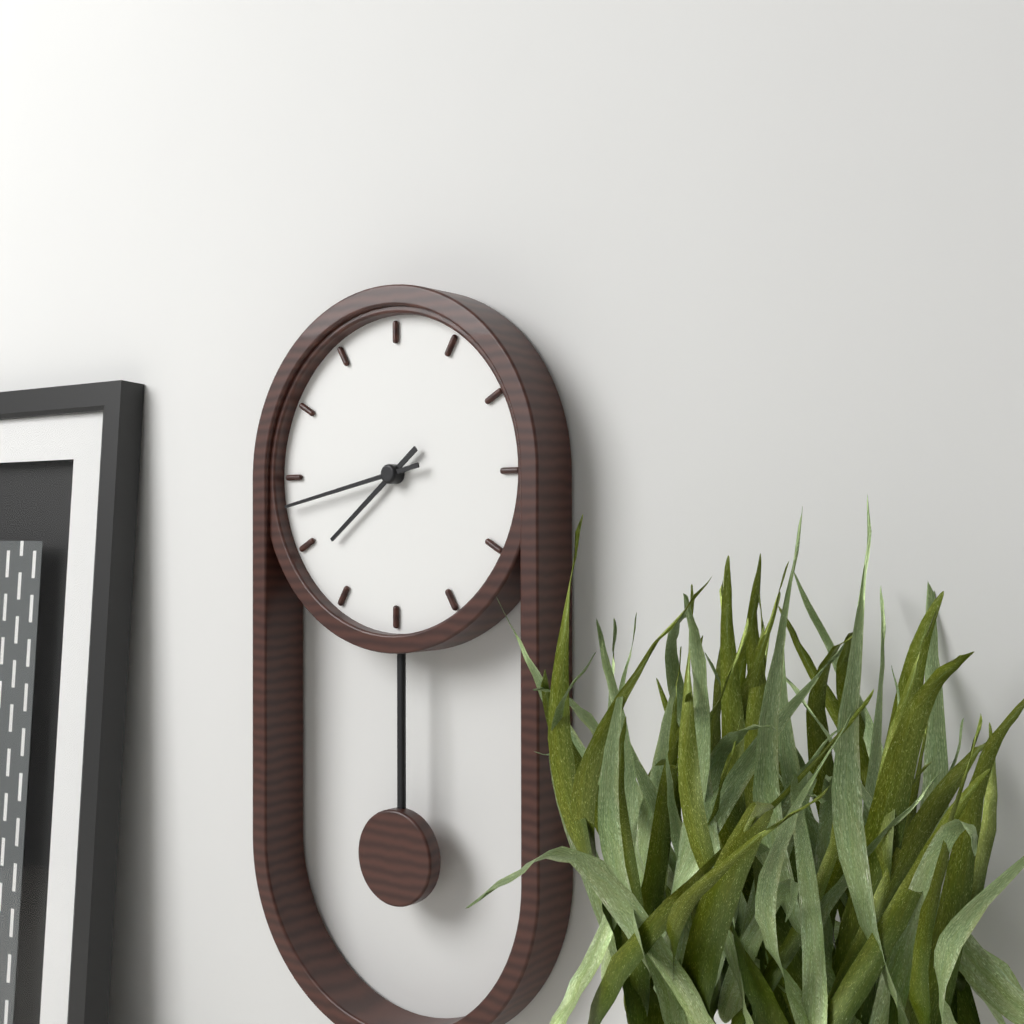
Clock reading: {"hour": 7, "minute": 43}
